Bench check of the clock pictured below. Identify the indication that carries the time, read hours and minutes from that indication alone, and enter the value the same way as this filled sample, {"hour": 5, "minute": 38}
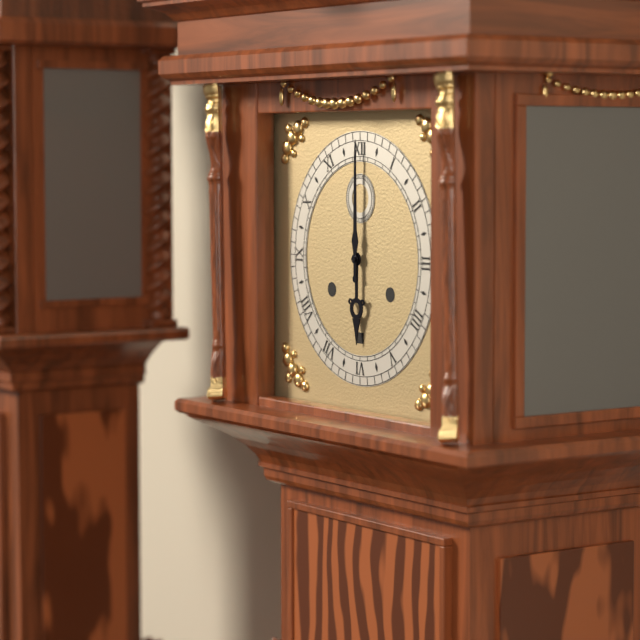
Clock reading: {"hour": 6, "minute": 0}
